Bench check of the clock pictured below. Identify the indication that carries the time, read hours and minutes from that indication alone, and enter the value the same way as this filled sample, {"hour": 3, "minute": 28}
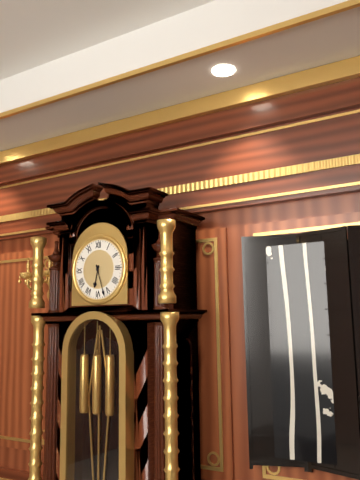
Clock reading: {"hour": 6, "minute": 27}
